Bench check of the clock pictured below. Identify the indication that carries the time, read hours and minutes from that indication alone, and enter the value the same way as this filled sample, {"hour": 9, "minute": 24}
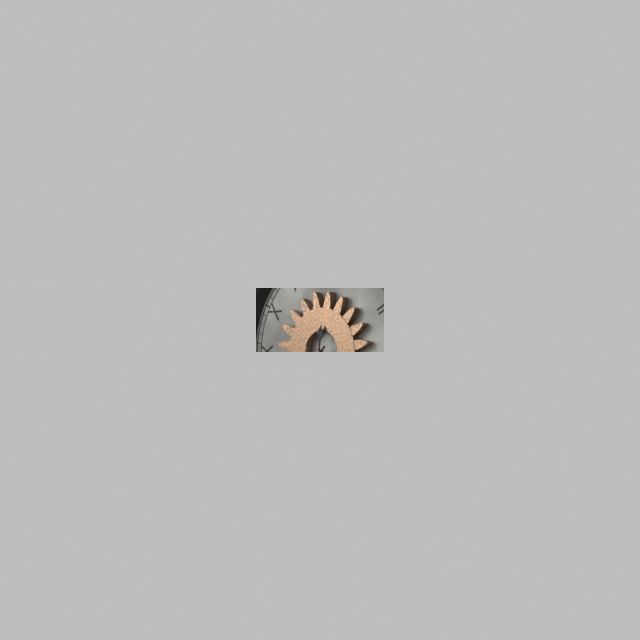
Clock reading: {"hour": 7, "minute": 31}
